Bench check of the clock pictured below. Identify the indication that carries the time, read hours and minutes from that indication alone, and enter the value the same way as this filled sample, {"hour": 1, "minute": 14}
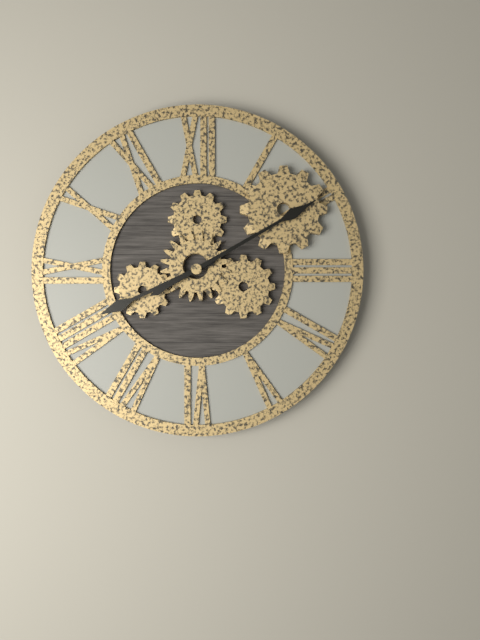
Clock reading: {"hour": 8, "minute": 10}
